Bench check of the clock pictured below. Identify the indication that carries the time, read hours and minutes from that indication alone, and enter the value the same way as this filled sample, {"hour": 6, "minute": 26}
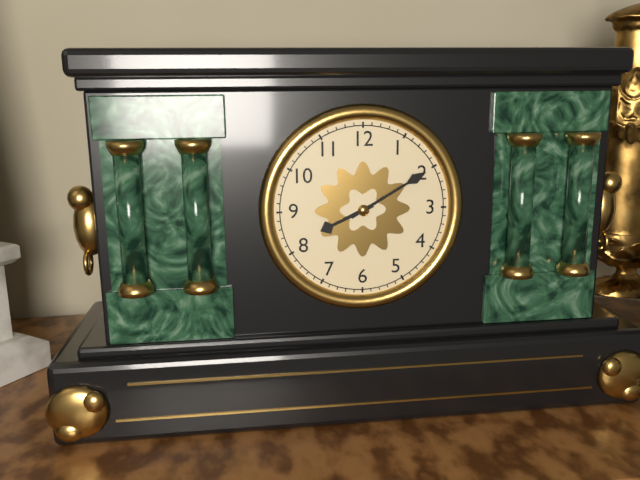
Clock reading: {"hour": 8, "minute": 10}
